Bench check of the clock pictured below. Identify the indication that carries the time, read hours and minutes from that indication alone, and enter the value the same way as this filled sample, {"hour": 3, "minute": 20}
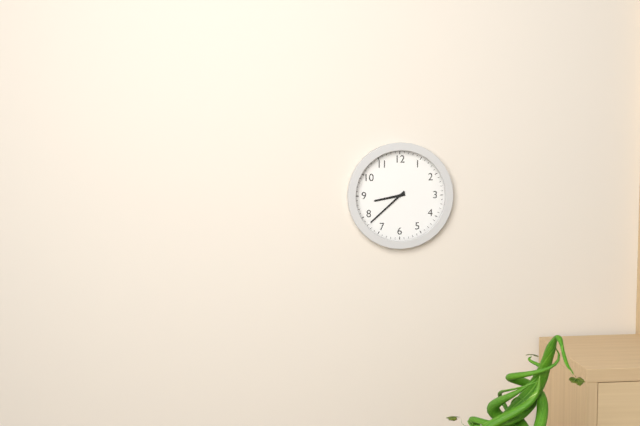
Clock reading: {"hour": 8, "minute": 38}
